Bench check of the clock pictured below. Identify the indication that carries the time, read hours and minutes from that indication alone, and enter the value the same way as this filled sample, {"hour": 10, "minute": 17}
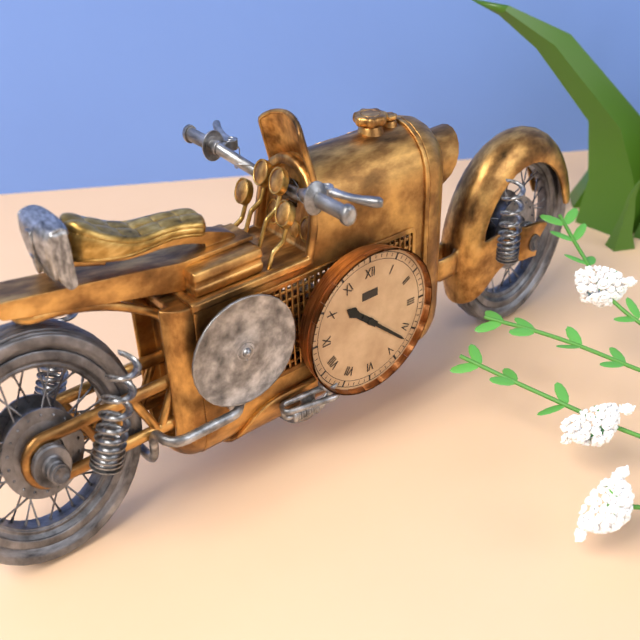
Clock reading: {"hour": 10, "minute": 22}
